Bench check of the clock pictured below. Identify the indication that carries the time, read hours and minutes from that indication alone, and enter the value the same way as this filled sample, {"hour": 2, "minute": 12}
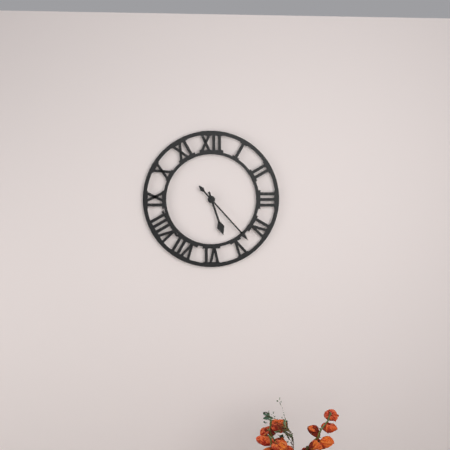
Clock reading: {"hour": 5, "minute": 23}
